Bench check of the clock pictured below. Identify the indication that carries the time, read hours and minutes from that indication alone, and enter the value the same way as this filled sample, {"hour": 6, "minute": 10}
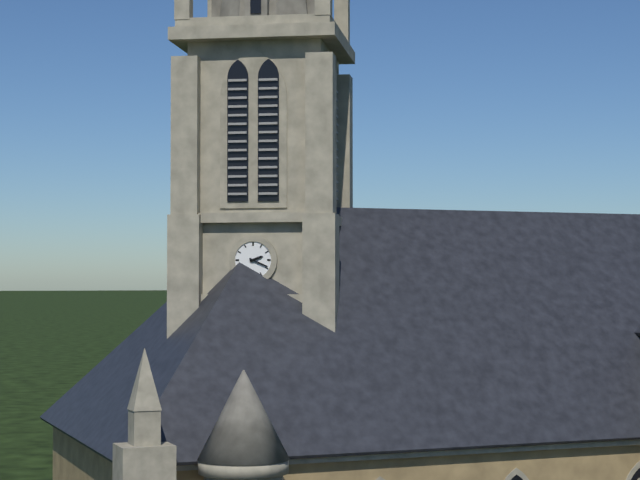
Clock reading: {"hour": 2, "minute": 19}
